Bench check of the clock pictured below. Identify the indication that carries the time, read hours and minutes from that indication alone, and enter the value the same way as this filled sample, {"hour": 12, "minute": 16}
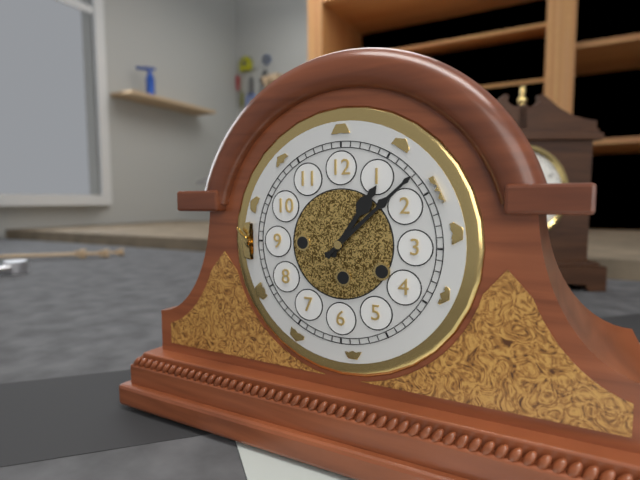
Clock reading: {"hour": 1, "minute": 8}
